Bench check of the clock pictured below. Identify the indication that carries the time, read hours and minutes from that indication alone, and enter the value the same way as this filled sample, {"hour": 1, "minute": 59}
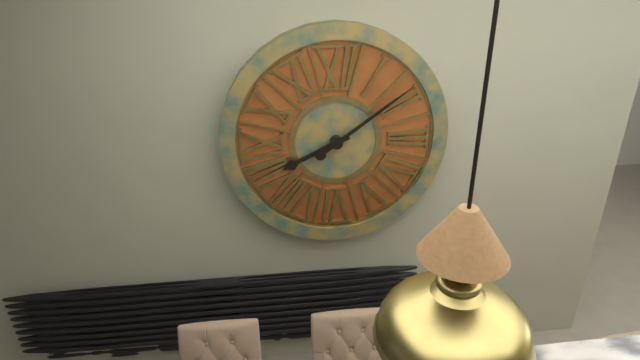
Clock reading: {"hour": 8, "minute": 9}
